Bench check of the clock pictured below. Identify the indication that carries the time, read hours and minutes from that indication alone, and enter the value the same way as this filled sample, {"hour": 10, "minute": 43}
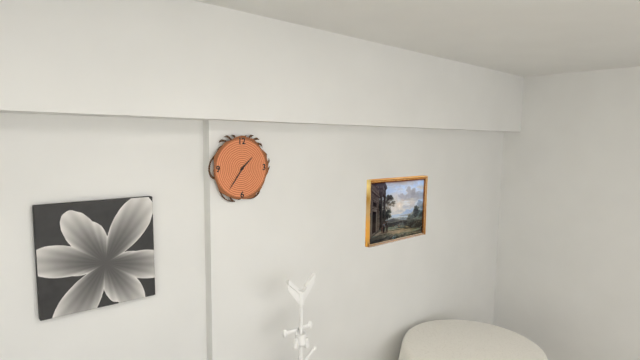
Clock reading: {"hour": 1, "minute": 36}
